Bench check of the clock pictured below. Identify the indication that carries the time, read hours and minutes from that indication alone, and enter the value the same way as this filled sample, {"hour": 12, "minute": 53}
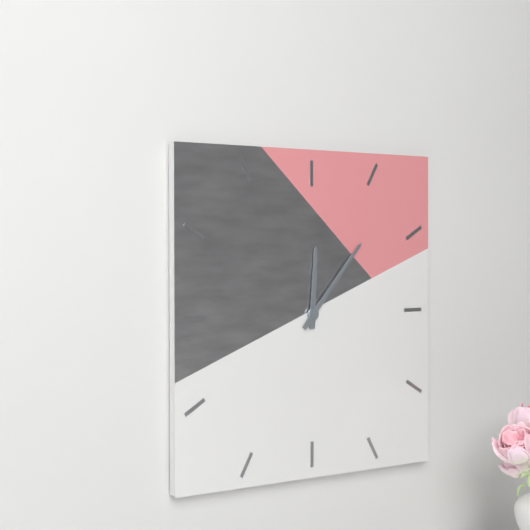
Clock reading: {"hour": 12, "minute": 7}
